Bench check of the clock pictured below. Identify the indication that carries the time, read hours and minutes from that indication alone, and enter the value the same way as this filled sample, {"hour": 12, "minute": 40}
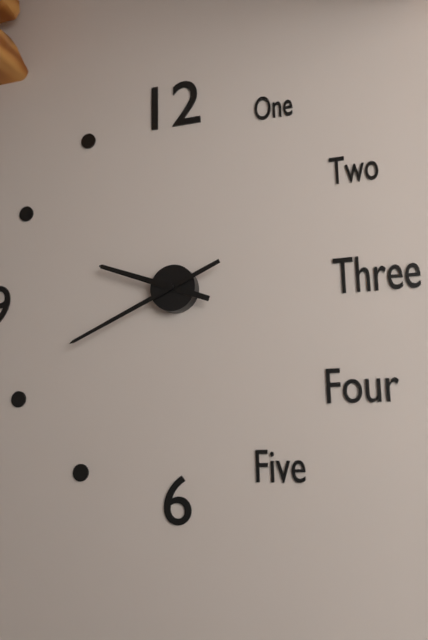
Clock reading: {"hour": 9, "minute": 41}
